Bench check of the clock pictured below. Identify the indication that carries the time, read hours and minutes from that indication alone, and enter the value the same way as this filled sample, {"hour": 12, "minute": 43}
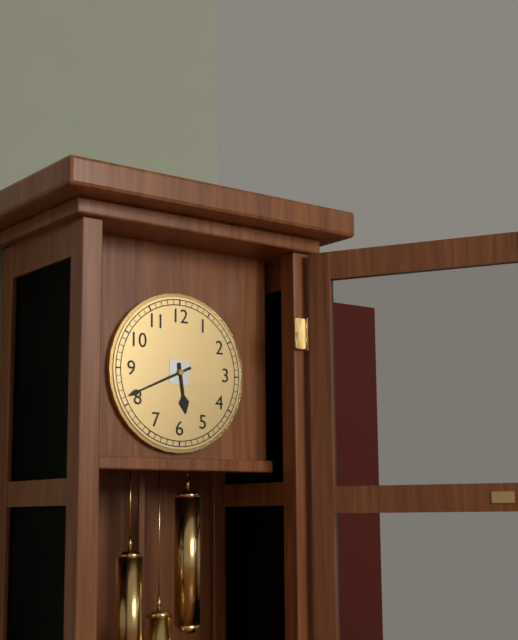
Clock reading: {"hour": 5, "minute": 41}
